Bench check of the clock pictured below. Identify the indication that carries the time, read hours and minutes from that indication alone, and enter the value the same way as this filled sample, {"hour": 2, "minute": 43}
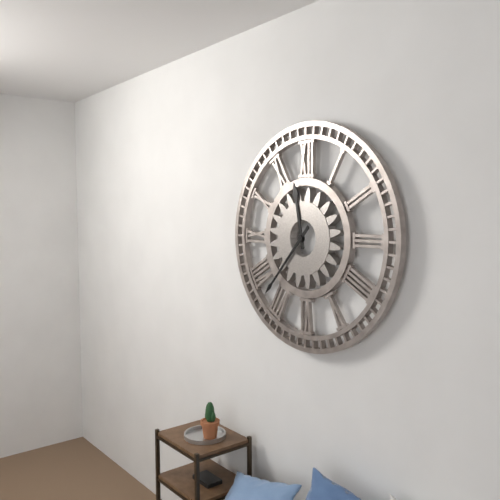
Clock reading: {"hour": 11, "minute": 37}
